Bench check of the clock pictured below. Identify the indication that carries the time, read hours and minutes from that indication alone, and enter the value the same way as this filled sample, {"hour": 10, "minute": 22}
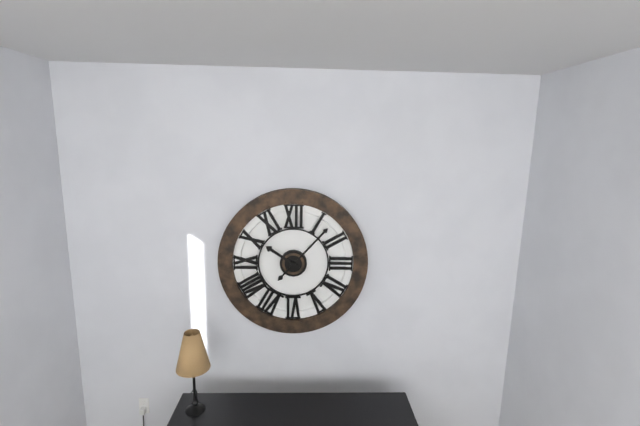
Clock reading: {"hour": 10, "minute": 7}
